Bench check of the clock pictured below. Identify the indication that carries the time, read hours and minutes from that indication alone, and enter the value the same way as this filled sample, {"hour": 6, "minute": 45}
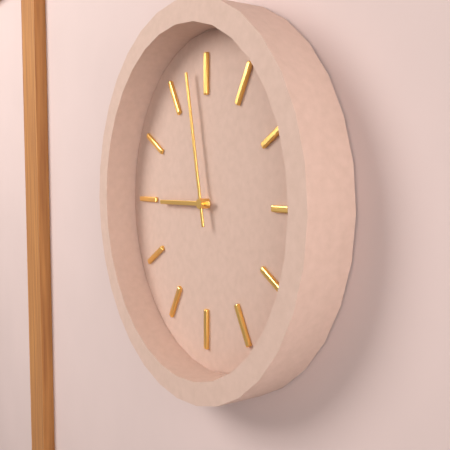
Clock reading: {"hour": 8, "minute": 58}
